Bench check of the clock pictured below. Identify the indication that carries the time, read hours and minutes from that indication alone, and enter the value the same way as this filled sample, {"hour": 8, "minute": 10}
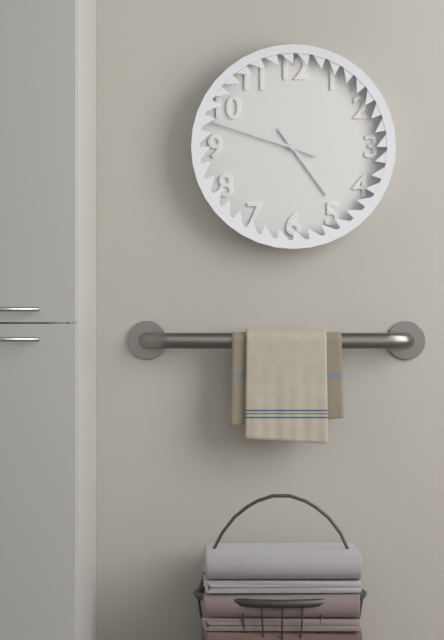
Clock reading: {"hour": 4, "minute": 48}
